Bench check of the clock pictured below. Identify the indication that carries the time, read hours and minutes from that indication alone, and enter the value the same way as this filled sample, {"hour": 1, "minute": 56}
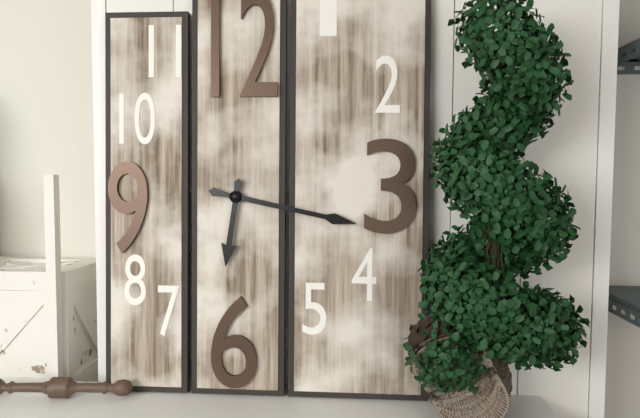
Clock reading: {"hour": 6, "minute": 17}
